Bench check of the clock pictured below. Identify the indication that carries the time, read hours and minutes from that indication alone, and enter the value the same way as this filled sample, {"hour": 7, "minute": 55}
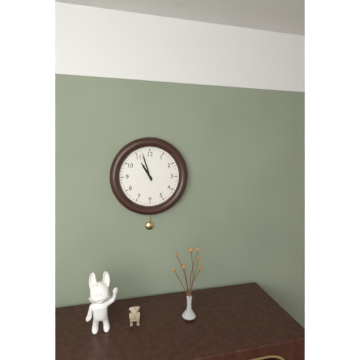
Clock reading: {"hour": 10, "minute": 57}
